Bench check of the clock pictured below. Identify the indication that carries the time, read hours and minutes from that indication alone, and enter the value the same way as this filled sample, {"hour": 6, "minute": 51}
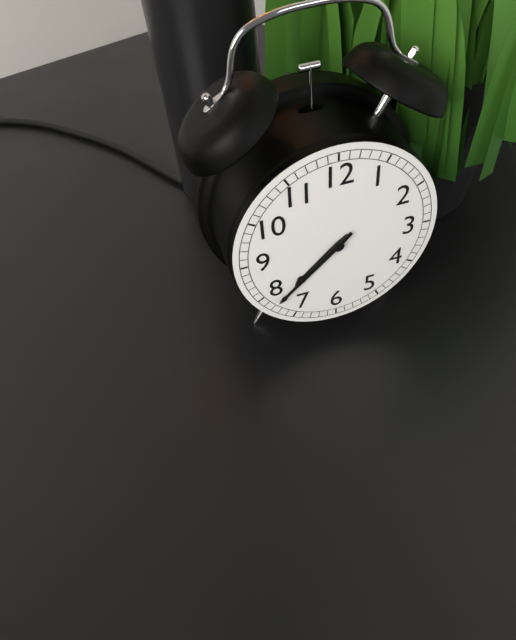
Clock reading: {"hour": 7, "minute": 38}
